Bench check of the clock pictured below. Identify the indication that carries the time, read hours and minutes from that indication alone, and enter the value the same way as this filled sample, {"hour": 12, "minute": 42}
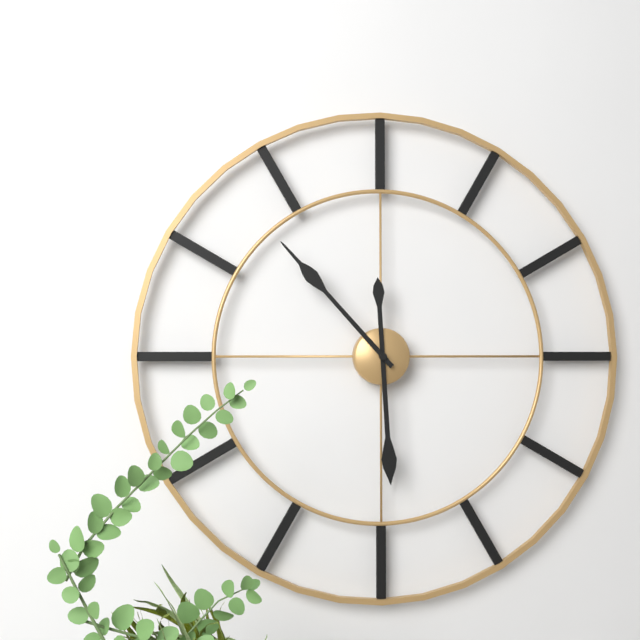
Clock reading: {"hour": 5, "minute": 53}
